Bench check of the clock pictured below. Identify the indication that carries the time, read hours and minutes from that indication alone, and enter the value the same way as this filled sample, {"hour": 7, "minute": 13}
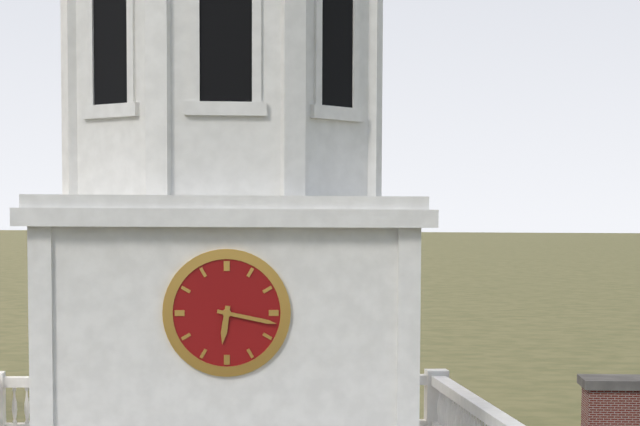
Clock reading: {"hour": 6, "minute": 17}
